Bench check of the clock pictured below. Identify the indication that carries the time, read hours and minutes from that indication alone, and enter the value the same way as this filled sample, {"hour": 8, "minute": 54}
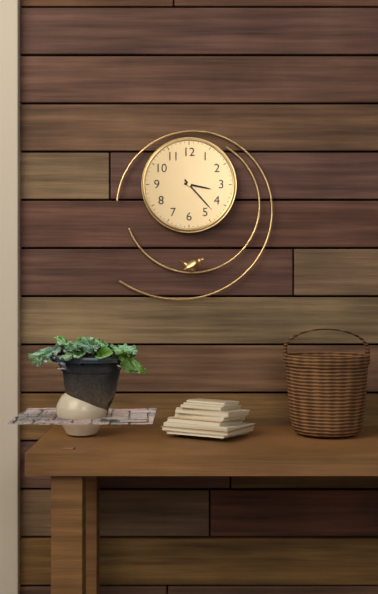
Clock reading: {"hour": 3, "minute": 23}
